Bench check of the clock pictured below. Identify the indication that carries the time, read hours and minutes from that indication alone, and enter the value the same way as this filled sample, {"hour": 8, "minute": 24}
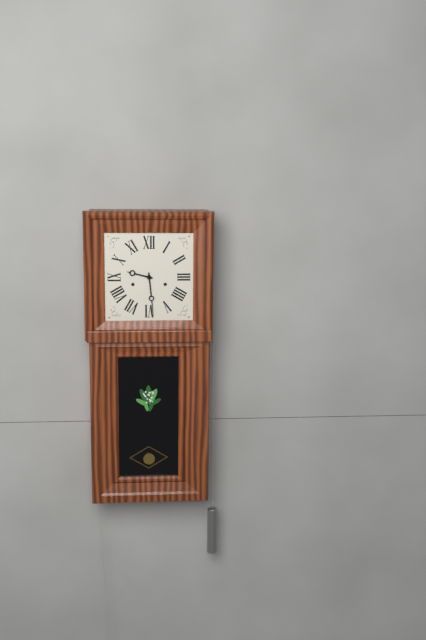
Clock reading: {"hour": 9, "minute": 29}
